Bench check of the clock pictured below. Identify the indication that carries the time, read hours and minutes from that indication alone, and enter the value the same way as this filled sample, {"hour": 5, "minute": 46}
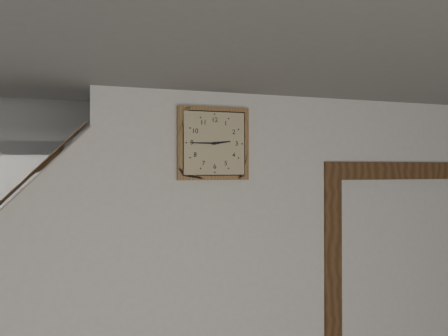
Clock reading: {"hour": 2, "minute": 45}
